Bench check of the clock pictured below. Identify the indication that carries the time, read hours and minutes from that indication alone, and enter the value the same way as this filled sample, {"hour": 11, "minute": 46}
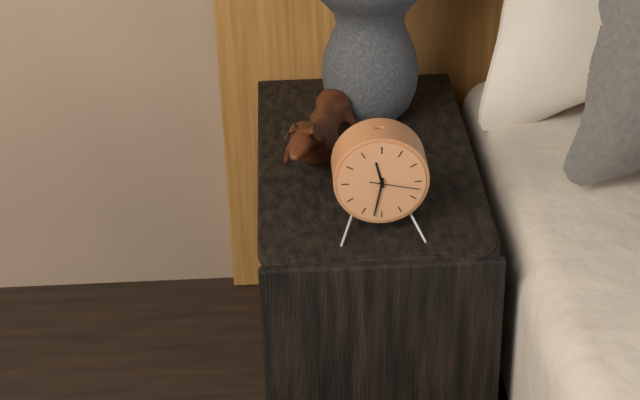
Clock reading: {"hour": 11, "minute": 32}
